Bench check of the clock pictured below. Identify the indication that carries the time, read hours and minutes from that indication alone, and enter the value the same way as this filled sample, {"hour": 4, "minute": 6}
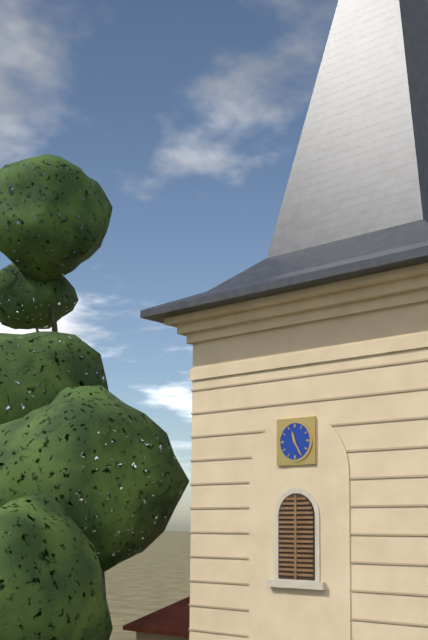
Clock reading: {"hour": 11, "minute": 25}
